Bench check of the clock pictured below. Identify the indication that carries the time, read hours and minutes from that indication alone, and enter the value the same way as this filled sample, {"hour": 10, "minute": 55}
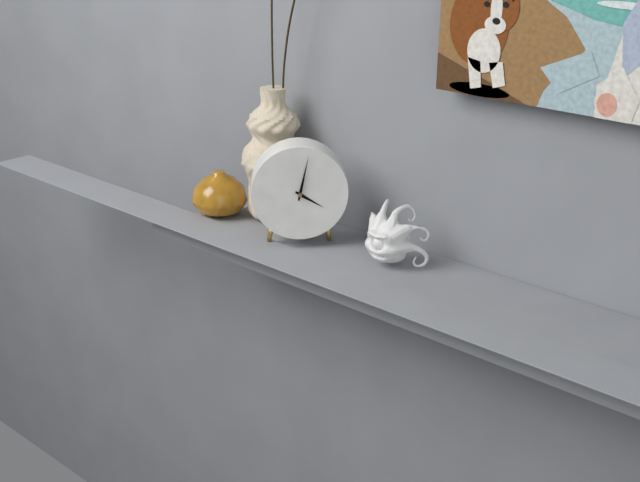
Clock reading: {"hour": 4, "minute": 2}
